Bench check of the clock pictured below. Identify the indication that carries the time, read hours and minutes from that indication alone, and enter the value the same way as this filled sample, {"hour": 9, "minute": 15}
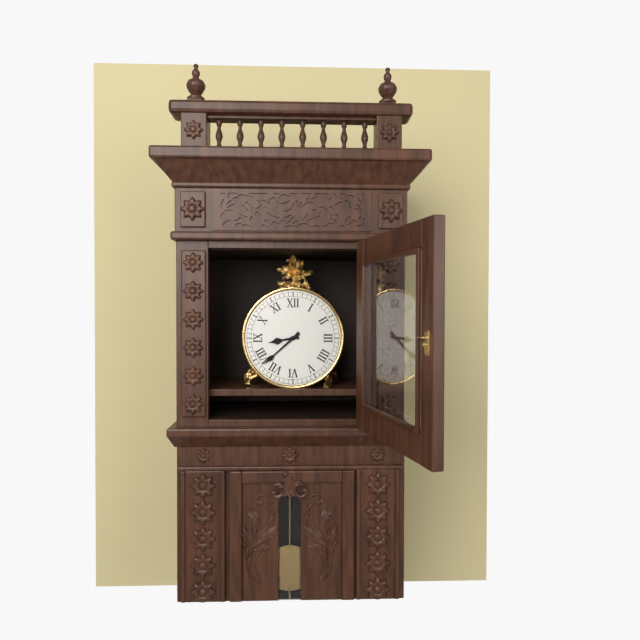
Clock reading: {"hour": 8, "minute": 38}
